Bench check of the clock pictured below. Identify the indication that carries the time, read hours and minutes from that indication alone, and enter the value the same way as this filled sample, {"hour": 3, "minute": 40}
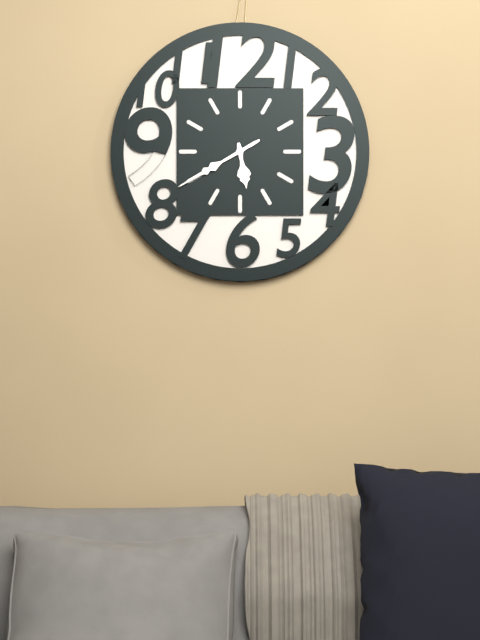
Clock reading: {"hour": 5, "minute": 40}
